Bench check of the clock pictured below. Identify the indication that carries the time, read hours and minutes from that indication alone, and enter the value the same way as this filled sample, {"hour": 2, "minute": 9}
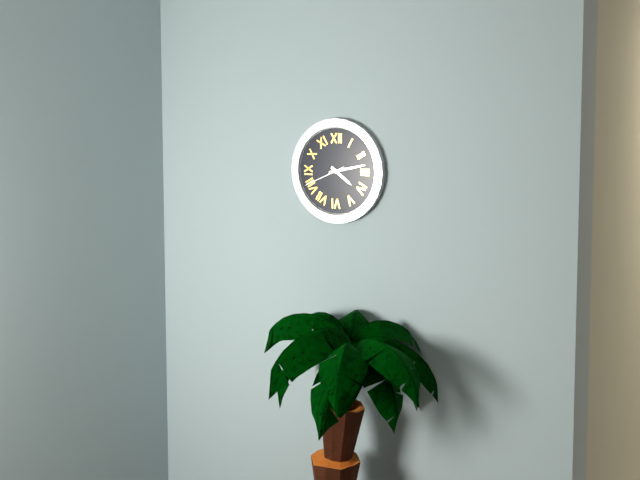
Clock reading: {"hour": 4, "minute": 13}
